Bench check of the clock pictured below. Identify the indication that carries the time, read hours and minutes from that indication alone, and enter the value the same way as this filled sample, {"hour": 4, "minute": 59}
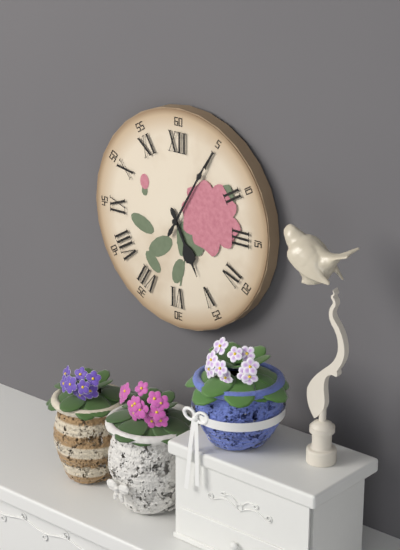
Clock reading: {"hour": 5, "minute": 5}
